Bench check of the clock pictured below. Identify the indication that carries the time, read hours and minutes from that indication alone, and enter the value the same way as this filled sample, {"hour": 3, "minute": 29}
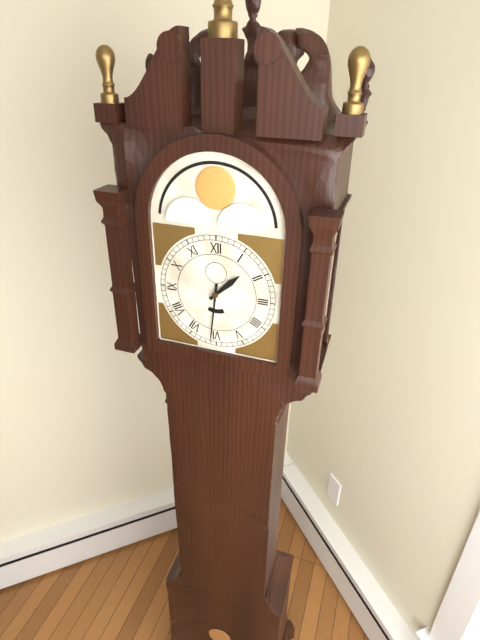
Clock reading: {"hour": 1, "minute": 31}
